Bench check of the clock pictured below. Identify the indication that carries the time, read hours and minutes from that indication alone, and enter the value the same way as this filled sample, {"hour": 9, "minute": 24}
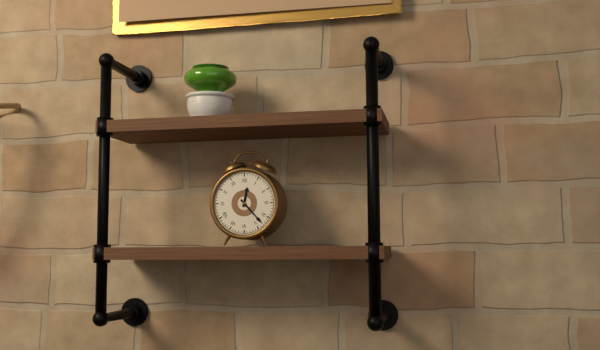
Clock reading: {"hour": 12, "minute": 23}
